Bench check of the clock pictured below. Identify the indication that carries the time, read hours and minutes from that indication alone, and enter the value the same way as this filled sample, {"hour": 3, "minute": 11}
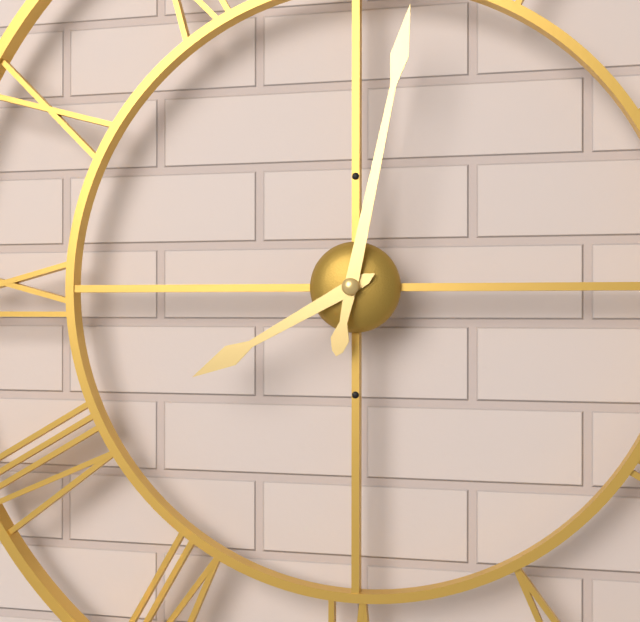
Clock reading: {"hour": 8, "minute": 2}
